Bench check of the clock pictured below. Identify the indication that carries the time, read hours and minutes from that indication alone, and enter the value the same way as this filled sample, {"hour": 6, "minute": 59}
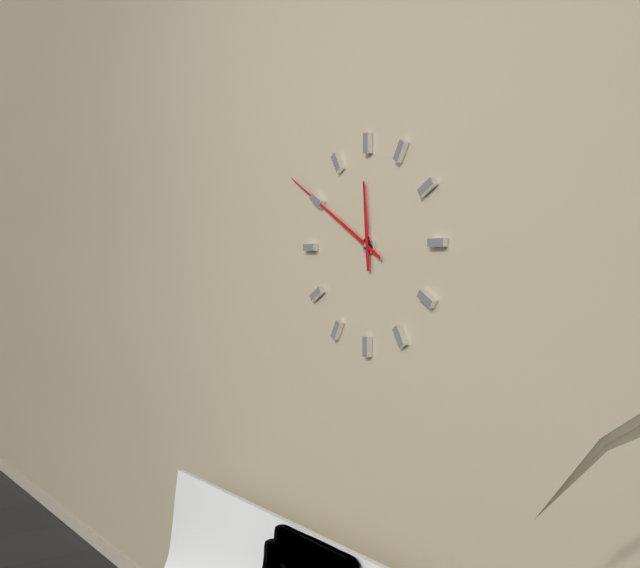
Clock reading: {"hour": 11, "minute": 50}
